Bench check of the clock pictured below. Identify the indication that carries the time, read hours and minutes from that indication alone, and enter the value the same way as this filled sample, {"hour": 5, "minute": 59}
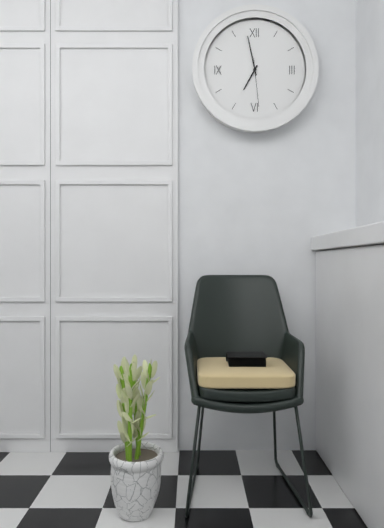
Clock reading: {"hour": 6, "minute": 58}
